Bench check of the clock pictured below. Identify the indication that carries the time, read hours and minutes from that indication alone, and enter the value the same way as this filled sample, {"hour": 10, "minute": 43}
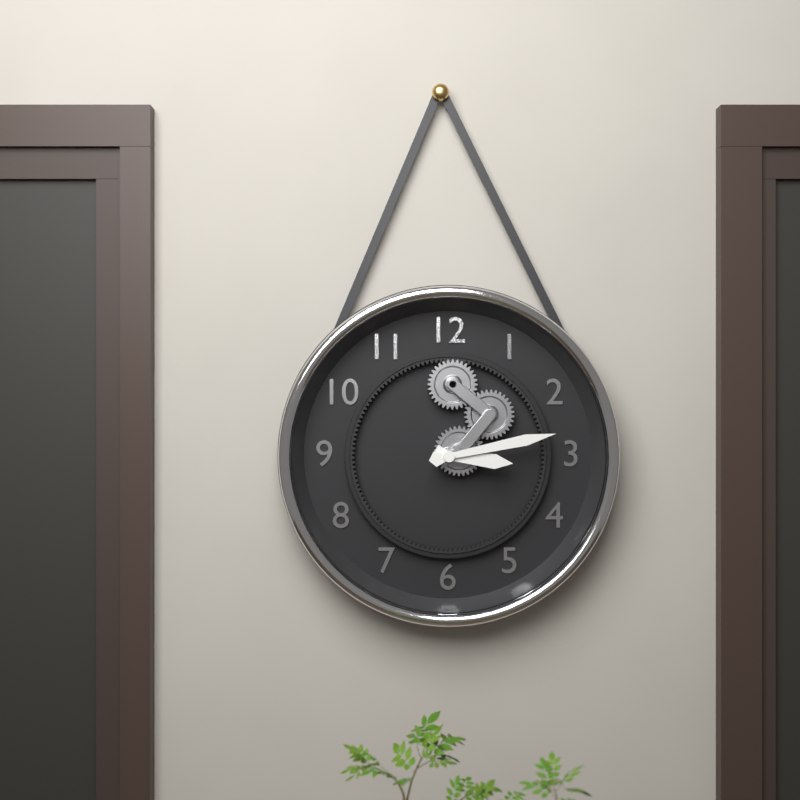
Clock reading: {"hour": 3, "minute": 13}
